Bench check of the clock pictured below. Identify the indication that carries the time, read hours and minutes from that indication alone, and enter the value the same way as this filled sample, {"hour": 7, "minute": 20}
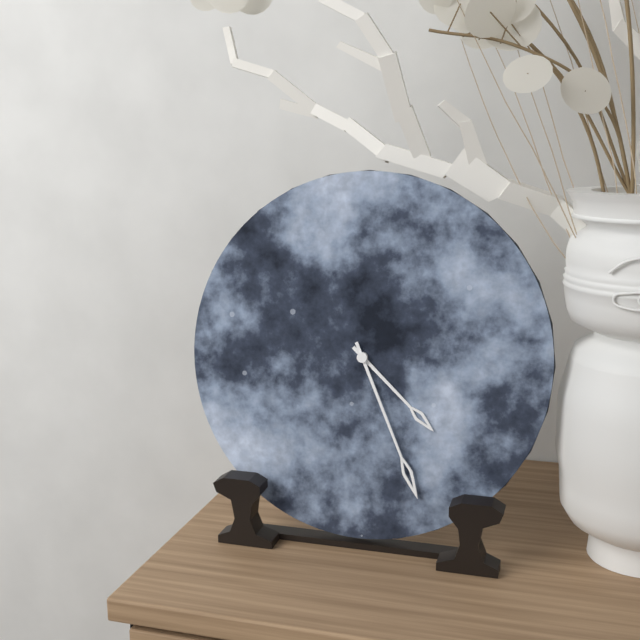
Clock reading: {"hour": 4, "minute": 26}
